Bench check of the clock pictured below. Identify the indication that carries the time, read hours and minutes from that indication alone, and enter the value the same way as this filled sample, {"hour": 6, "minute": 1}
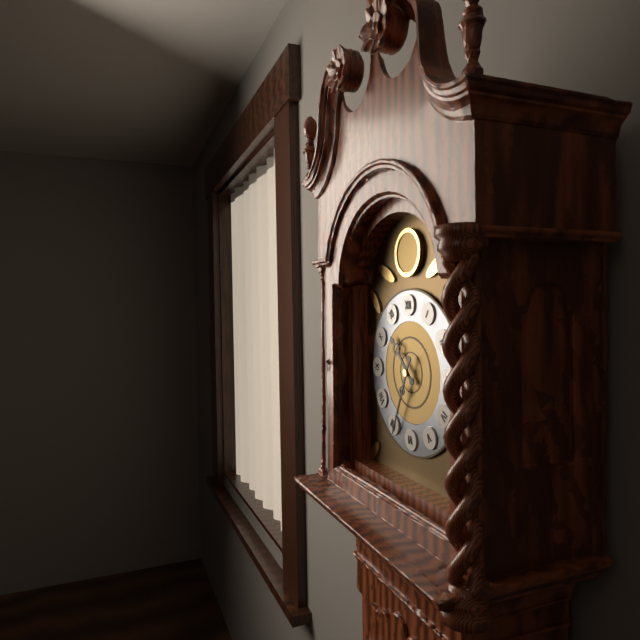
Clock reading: {"hour": 10, "minute": 34}
